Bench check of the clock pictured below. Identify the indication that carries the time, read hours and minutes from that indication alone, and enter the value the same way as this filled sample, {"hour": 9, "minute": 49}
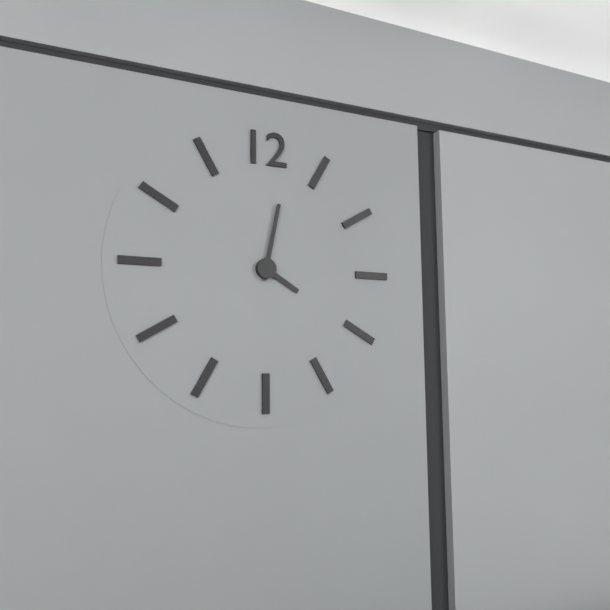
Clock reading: {"hour": 4, "minute": 2}
